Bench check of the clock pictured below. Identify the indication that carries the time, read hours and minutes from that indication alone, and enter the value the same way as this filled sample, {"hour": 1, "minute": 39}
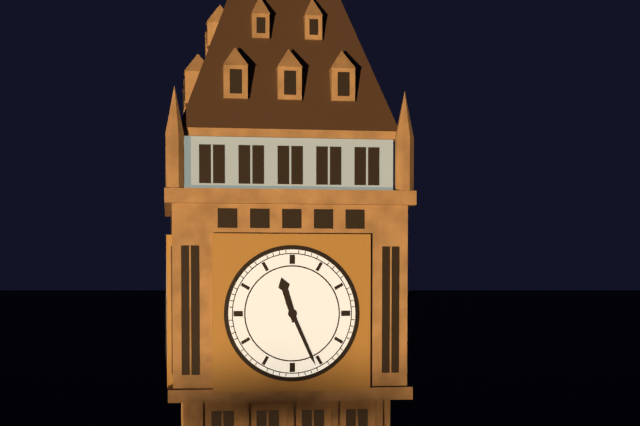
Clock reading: {"hour": 11, "minute": 26}
